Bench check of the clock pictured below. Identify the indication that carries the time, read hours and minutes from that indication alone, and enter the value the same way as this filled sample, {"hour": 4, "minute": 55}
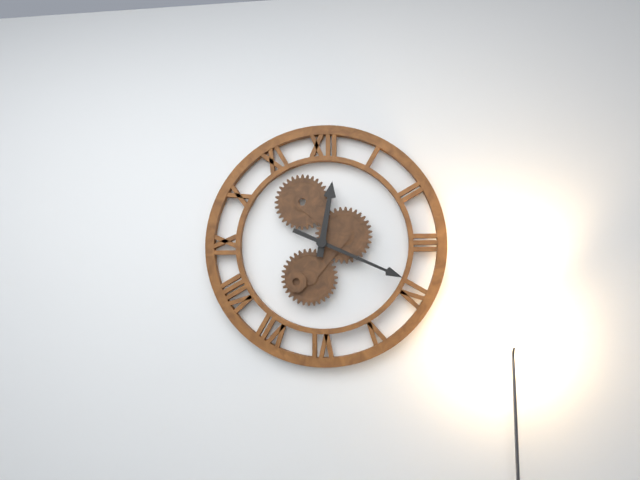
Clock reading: {"hour": 12, "minute": 19}
